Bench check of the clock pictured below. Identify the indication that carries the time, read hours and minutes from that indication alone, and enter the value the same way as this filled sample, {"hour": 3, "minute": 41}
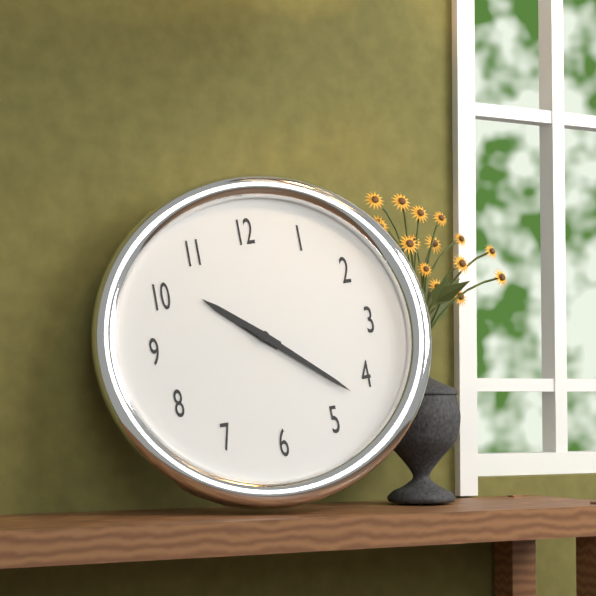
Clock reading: {"hour": 10, "minute": 22}
